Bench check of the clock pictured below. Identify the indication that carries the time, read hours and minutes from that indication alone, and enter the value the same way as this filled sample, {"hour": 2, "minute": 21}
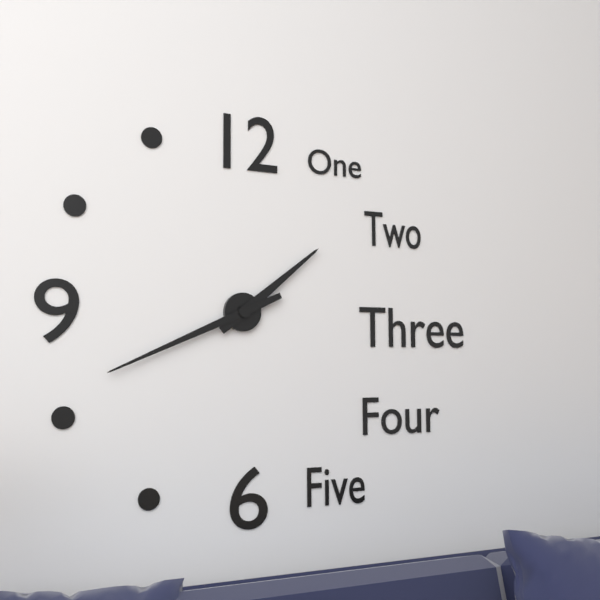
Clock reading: {"hour": 1, "minute": 41}
